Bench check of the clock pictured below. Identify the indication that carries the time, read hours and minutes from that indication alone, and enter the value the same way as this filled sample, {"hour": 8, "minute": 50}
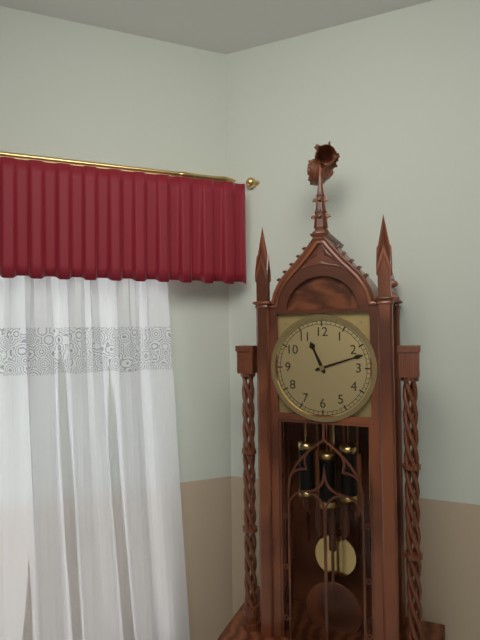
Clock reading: {"hour": 11, "minute": 12}
